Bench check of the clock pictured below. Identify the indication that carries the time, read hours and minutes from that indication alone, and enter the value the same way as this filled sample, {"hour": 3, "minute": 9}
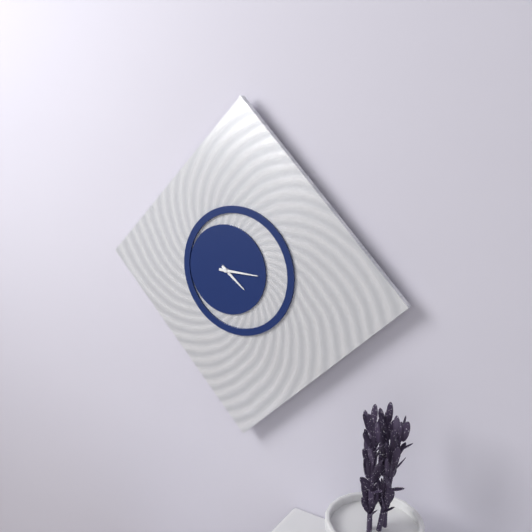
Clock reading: {"hour": 4, "minute": 15}
